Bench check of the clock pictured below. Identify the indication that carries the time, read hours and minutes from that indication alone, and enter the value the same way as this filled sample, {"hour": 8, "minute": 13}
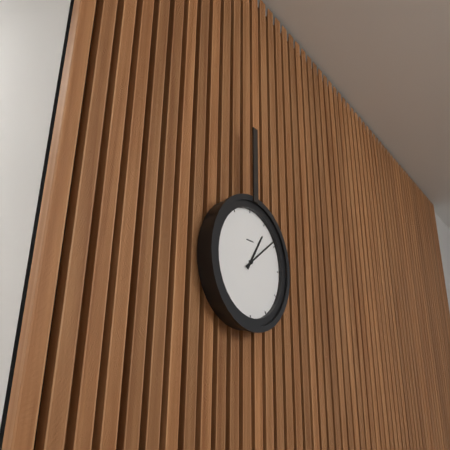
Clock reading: {"hour": 1, "minute": 9}
